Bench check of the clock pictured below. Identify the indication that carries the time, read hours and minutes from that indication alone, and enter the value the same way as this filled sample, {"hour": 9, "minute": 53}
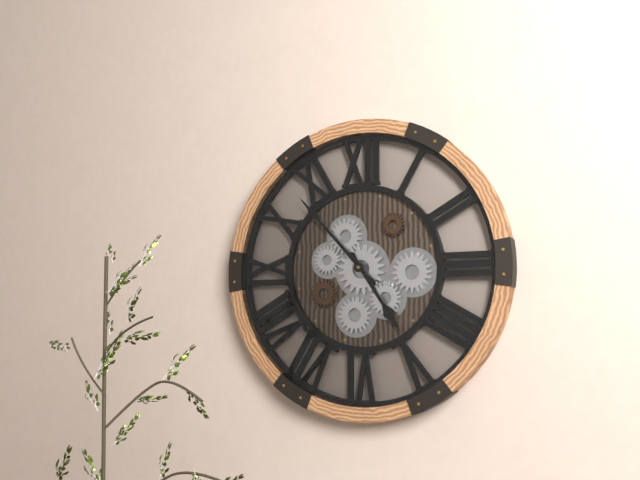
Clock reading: {"hour": 4, "minute": 53}
